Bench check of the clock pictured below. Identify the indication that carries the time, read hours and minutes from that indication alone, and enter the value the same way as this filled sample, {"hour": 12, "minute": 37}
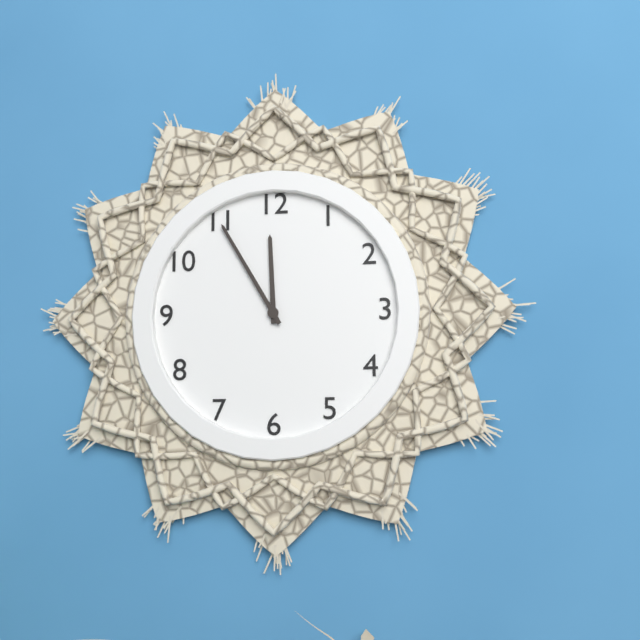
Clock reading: {"hour": 11, "minute": 55}
